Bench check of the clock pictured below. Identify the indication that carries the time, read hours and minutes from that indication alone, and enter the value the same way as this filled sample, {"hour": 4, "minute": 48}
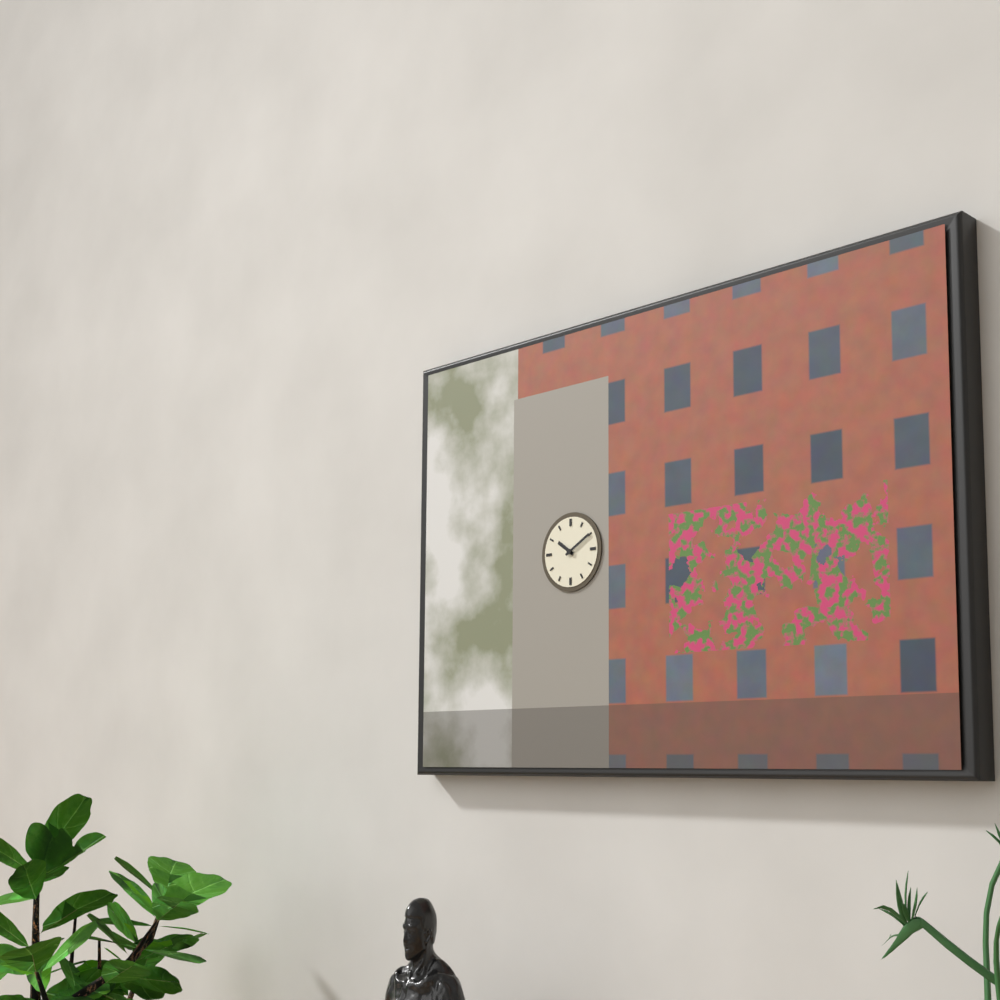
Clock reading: {"hour": 10, "minute": 10}
